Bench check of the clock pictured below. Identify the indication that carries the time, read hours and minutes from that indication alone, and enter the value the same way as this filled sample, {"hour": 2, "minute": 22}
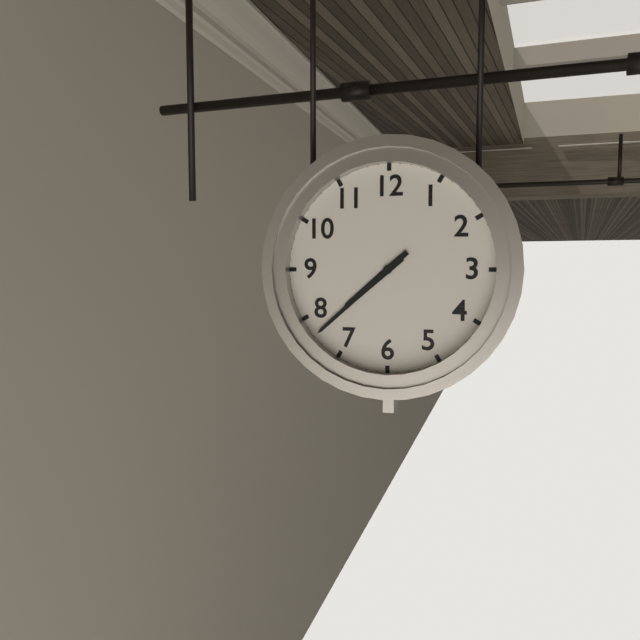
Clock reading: {"hour": 7, "minute": 38}
